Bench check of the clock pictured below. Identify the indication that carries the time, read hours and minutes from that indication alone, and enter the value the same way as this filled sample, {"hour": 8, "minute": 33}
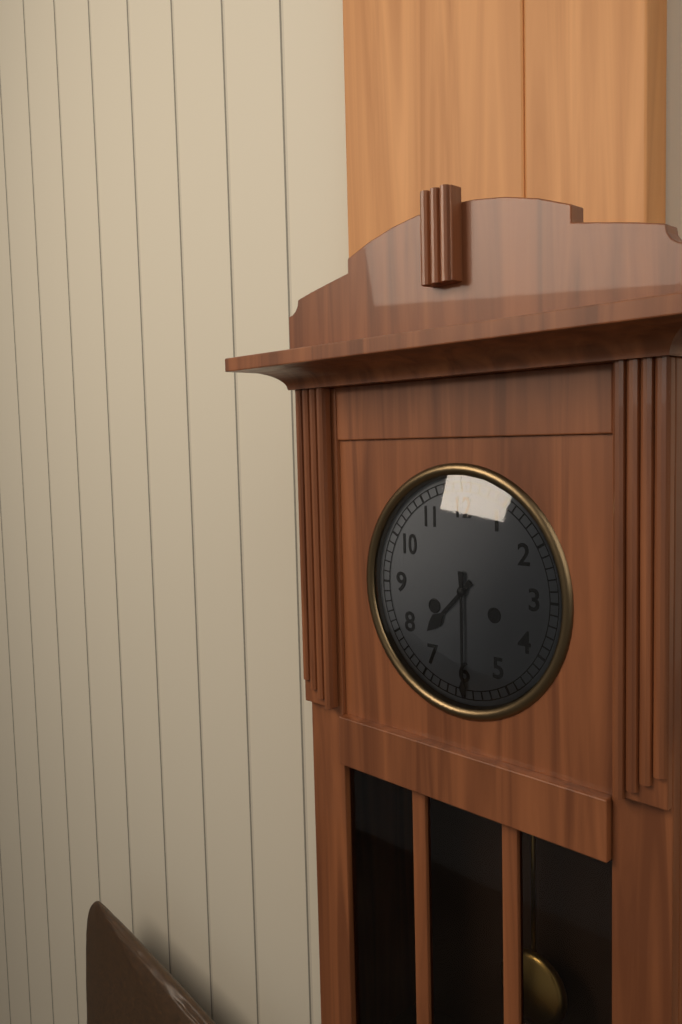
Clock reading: {"hour": 7, "minute": 30}
